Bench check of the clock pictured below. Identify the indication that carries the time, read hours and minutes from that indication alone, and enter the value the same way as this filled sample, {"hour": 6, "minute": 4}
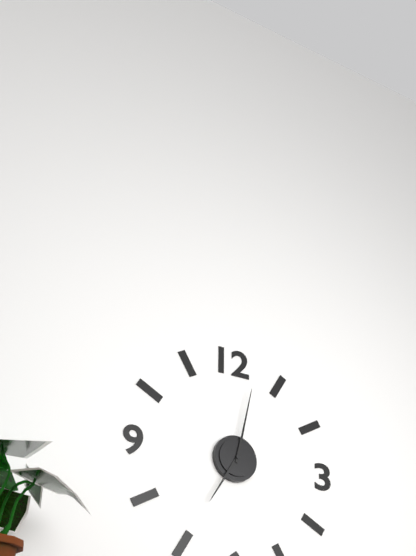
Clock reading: {"hour": 7, "minute": 2}
